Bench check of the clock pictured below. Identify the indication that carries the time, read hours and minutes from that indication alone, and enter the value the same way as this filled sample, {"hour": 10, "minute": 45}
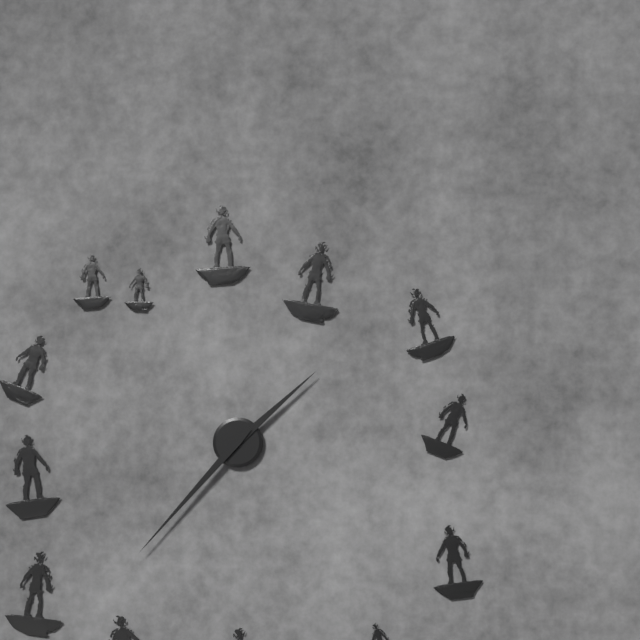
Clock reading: {"hour": 1, "minute": 37}
